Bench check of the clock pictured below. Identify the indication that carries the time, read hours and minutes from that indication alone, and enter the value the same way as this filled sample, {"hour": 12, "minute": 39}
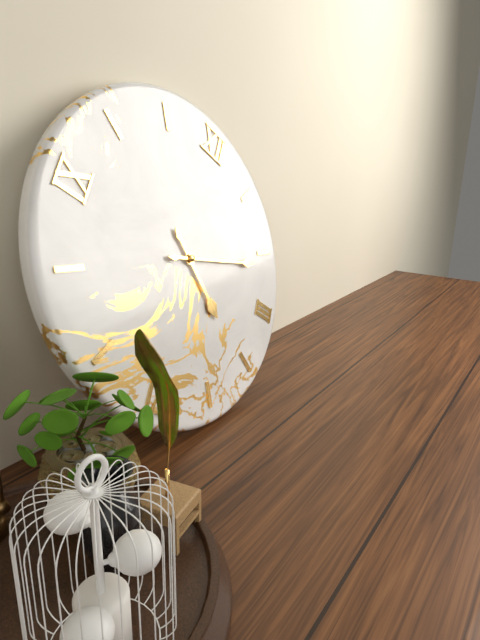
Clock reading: {"hour": 4, "minute": 11}
